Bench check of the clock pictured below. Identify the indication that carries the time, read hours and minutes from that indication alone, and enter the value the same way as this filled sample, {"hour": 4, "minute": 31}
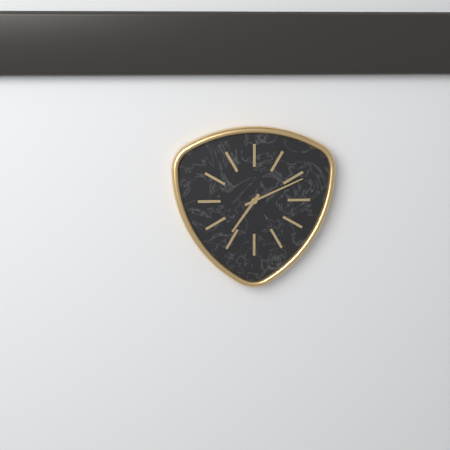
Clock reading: {"hour": 7, "minute": 11}
